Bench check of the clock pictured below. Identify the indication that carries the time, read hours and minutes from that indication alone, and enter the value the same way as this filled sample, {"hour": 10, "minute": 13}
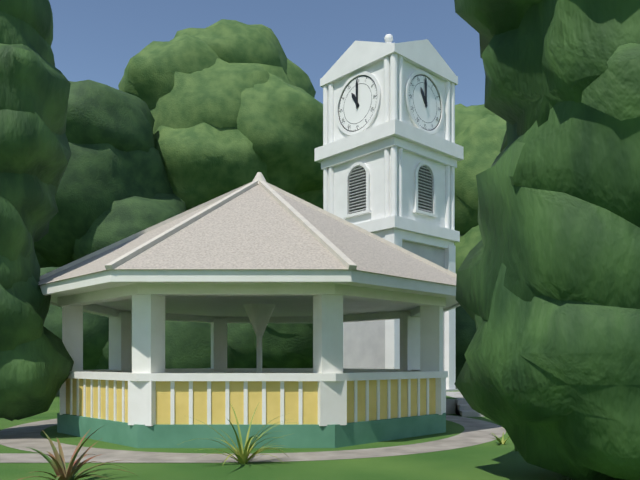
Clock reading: {"hour": 11, "minute": 0}
